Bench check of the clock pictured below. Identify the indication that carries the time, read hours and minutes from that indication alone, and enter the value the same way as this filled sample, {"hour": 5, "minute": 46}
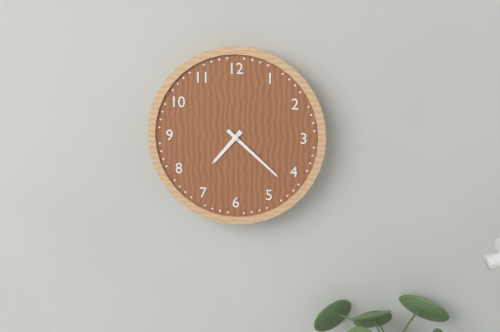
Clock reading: {"hour": 7, "minute": 22}
